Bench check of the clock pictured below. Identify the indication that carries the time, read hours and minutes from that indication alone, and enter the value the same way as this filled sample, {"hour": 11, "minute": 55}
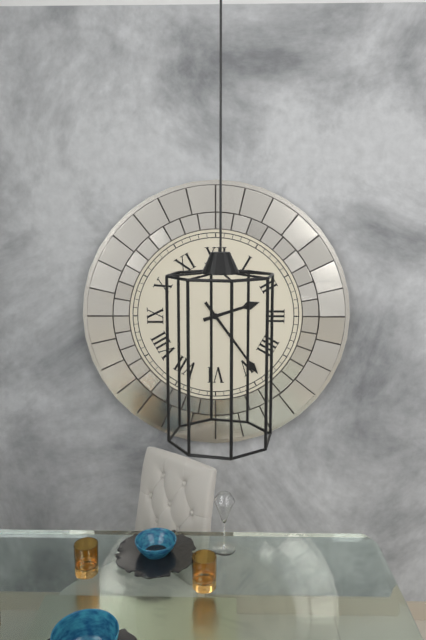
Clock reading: {"hour": 2, "minute": 24}
